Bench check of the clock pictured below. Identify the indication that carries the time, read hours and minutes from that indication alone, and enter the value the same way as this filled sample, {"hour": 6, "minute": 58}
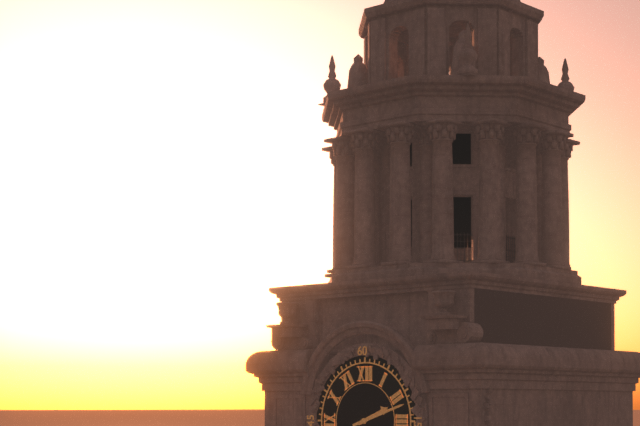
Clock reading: {"hour": 2, "minute": 12}
